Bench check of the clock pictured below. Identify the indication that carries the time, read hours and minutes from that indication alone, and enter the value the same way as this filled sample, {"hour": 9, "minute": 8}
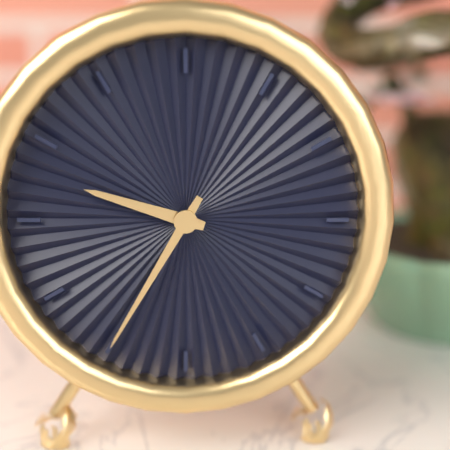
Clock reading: {"hour": 9, "minute": 35}
